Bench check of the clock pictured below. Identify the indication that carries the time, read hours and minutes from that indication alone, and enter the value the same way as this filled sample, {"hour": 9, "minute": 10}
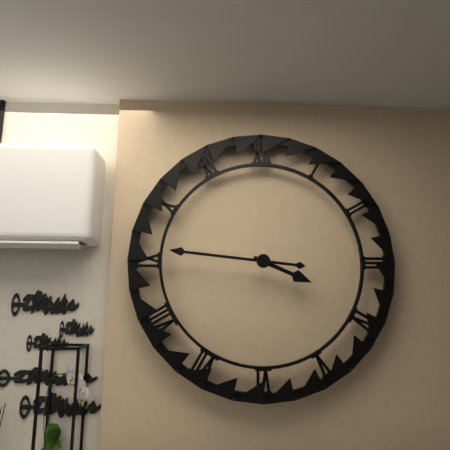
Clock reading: {"hour": 3, "minute": 46}
